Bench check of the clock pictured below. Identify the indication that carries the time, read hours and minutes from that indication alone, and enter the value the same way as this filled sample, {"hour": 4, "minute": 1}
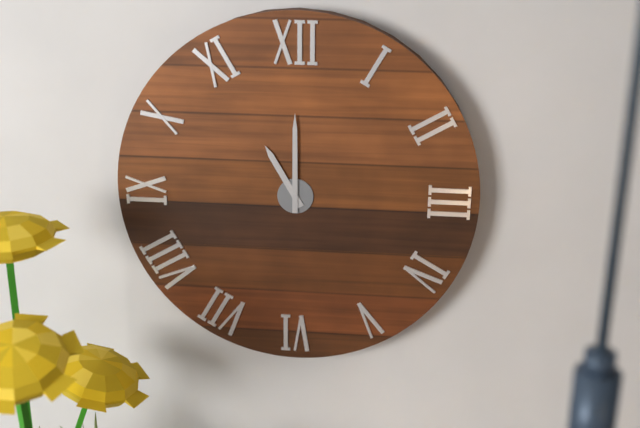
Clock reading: {"hour": 11, "minute": 0}
